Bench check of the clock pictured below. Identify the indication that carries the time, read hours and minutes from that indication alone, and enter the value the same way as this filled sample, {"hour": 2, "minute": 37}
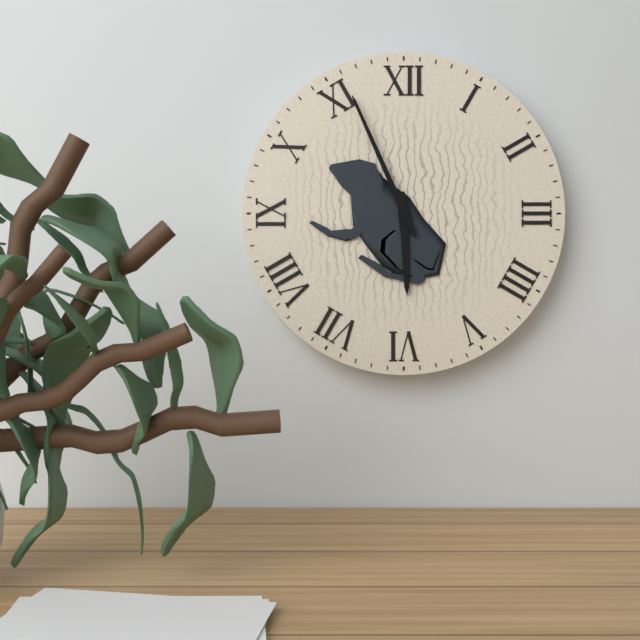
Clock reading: {"hour": 5, "minute": 56}
